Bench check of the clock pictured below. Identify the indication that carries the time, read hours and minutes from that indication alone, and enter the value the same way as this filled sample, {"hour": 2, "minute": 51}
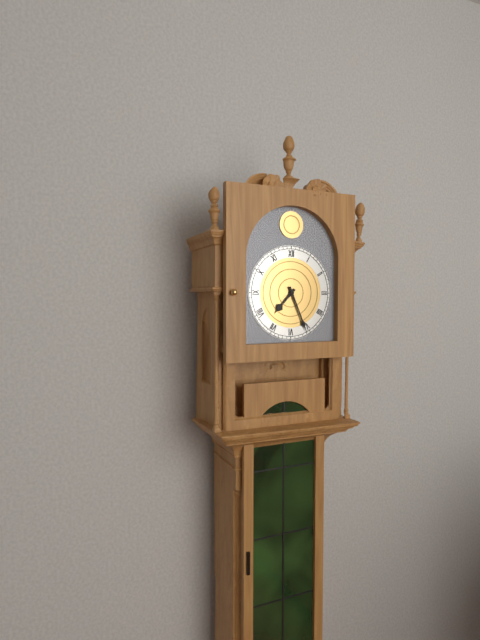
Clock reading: {"hour": 7, "minute": 26}
